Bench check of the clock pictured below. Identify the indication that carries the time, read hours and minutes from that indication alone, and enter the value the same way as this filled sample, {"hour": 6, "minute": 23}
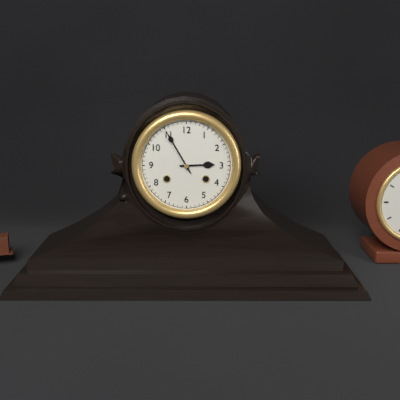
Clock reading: {"hour": 2, "minute": 55}
